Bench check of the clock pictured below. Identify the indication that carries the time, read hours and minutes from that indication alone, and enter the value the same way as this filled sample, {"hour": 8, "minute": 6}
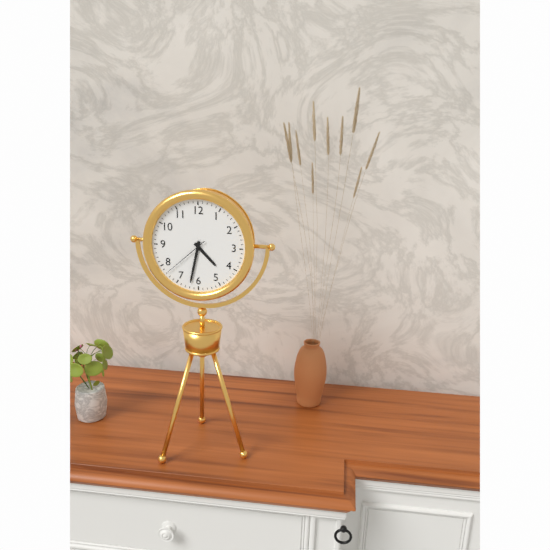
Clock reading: {"hour": 4, "minute": 32}
